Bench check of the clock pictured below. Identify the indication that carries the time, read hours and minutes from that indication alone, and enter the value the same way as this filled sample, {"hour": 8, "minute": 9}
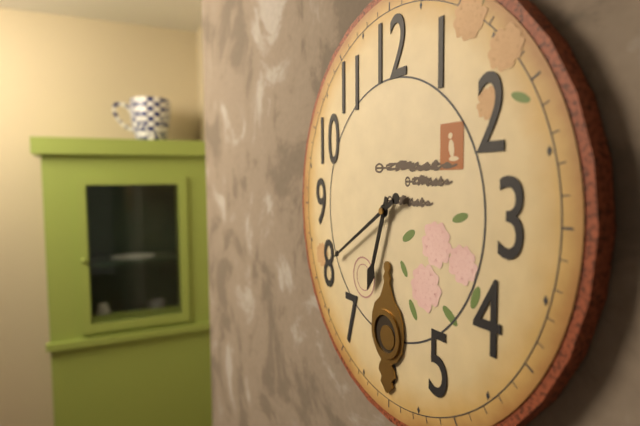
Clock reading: {"hour": 6, "minute": 40}
